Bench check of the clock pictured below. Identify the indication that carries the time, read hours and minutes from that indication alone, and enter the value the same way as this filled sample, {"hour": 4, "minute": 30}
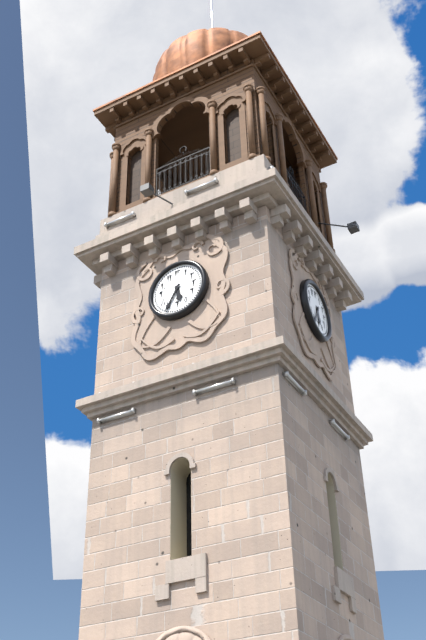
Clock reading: {"hour": 5, "minute": 35}
